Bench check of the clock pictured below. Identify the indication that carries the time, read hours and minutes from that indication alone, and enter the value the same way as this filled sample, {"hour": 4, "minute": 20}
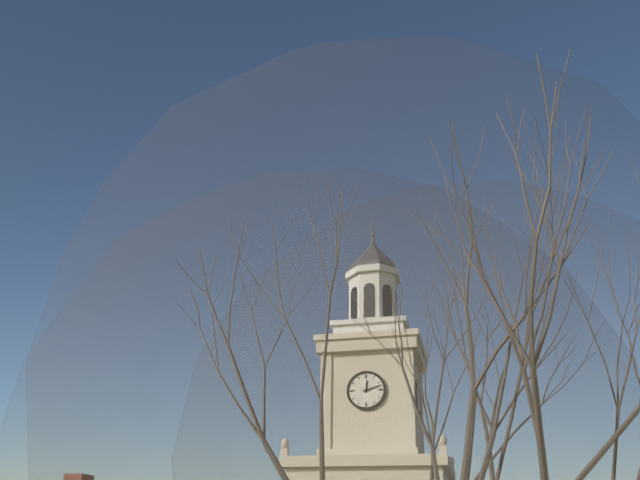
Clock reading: {"hour": 12, "minute": 12}
